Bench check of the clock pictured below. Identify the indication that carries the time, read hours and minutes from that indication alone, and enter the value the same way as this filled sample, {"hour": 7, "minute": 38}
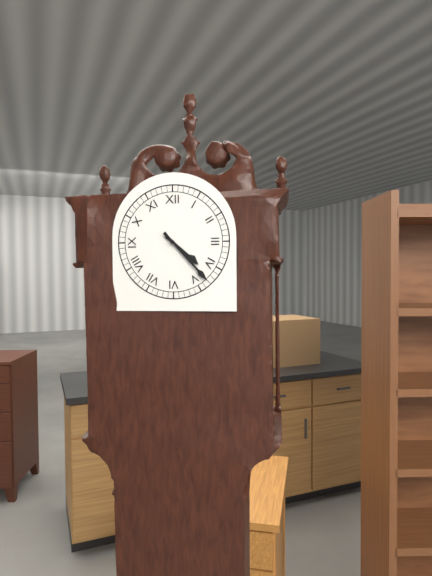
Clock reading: {"hour": 4, "minute": 23}
